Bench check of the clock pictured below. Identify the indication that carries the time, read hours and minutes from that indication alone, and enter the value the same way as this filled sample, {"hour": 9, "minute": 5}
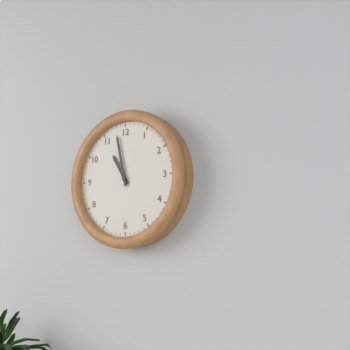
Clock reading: {"hour": 10, "minute": 58}
